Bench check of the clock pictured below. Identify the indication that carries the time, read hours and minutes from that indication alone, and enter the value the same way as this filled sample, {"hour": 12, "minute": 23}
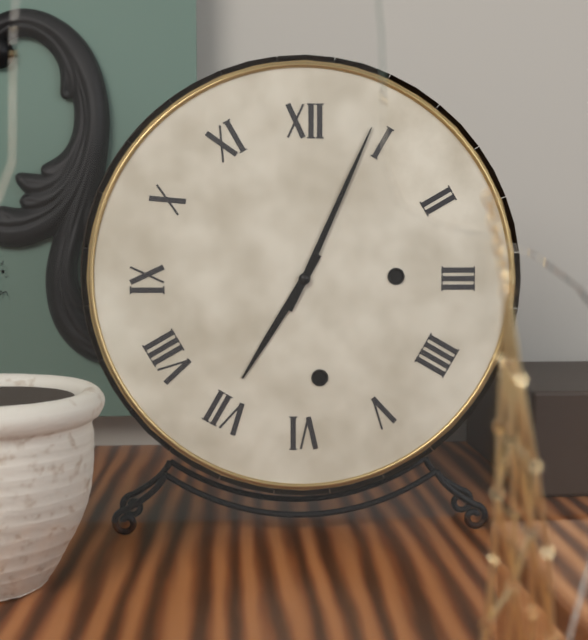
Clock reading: {"hour": 7, "minute": 4}
